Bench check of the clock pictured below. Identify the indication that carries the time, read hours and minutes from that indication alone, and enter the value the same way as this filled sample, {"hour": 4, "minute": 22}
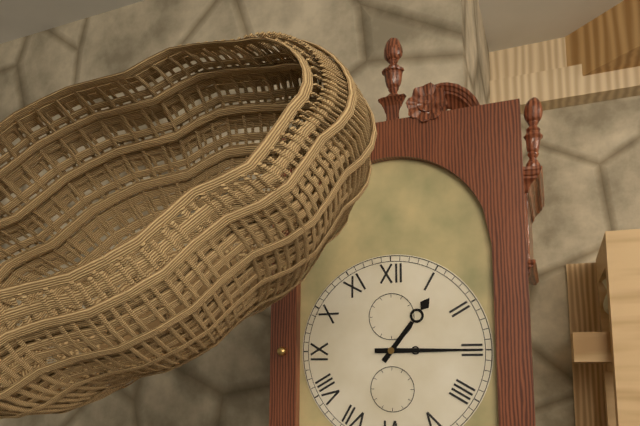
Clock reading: {"hour": 1, "minute": 15}
